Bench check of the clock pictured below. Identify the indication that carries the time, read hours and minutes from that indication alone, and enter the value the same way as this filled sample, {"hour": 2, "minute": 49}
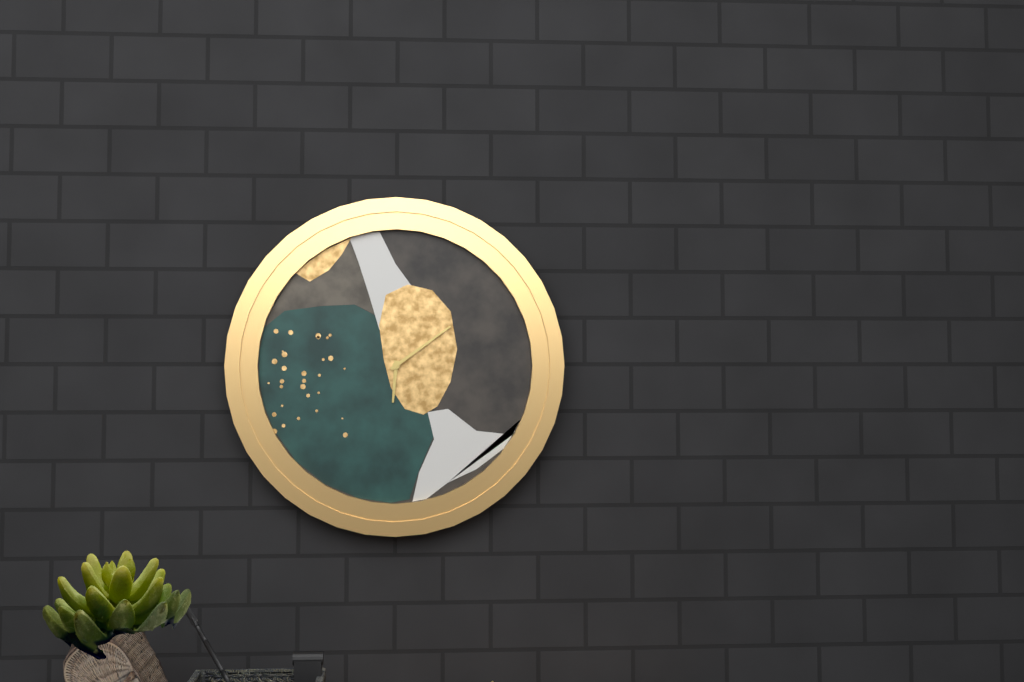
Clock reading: {"hour": 6, "minute": 9}
